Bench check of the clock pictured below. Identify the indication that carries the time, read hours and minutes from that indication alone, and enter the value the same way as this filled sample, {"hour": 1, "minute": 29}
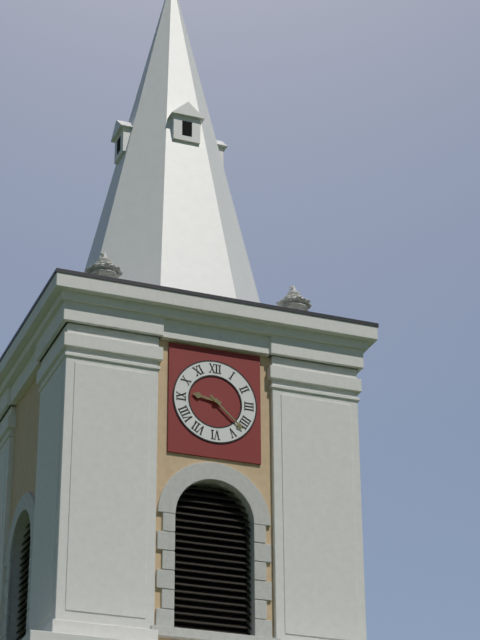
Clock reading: {"hour": 9, "minute": 22}
